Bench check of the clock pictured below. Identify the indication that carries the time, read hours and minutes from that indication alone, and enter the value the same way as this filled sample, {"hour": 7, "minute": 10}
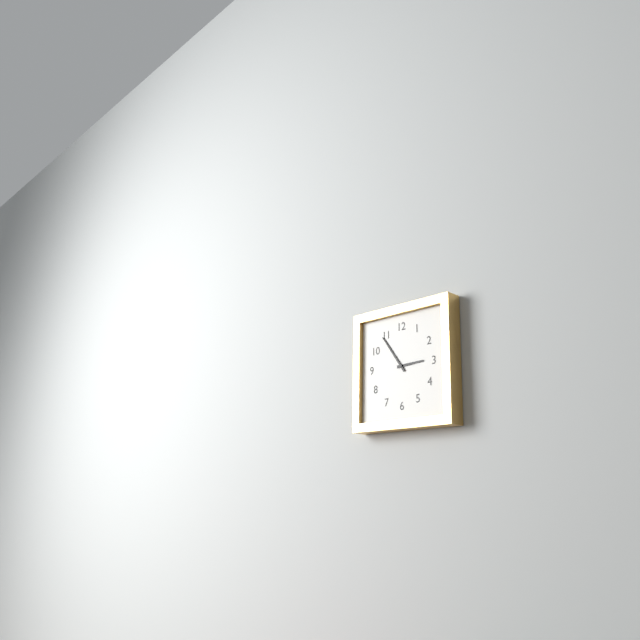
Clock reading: {"hour": 2, "minute": 54}
